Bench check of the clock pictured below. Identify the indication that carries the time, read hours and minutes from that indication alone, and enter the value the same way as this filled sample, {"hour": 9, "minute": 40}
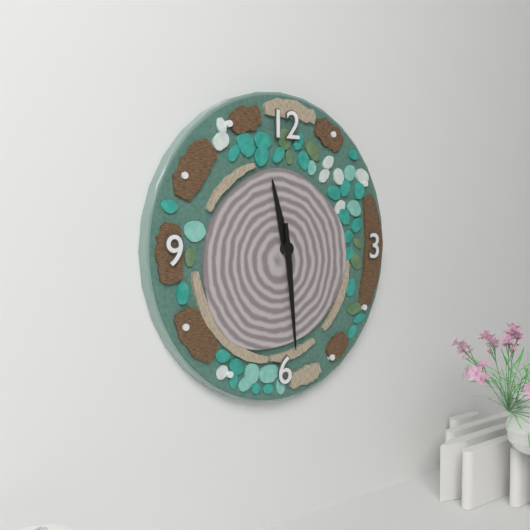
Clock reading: {"hour": 11, "minute": 29}
